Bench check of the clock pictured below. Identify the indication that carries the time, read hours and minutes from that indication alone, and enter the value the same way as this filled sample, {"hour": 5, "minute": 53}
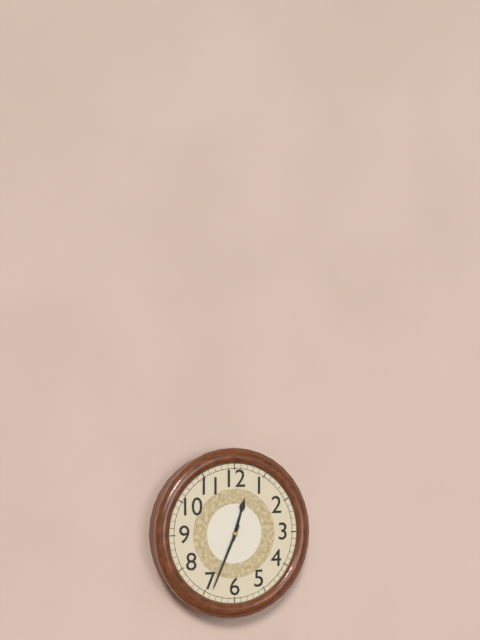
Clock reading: {"hour": 12, "minute": 34}
